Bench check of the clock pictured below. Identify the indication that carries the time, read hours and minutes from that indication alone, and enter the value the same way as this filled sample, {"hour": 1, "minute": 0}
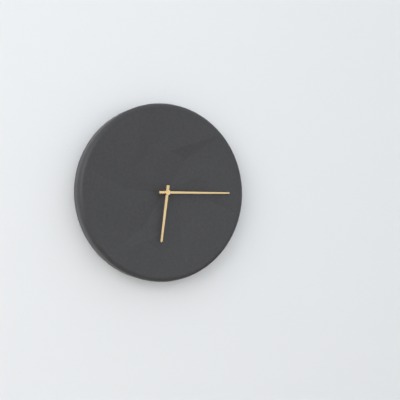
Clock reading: {"hour": 6, "minute": 15}
